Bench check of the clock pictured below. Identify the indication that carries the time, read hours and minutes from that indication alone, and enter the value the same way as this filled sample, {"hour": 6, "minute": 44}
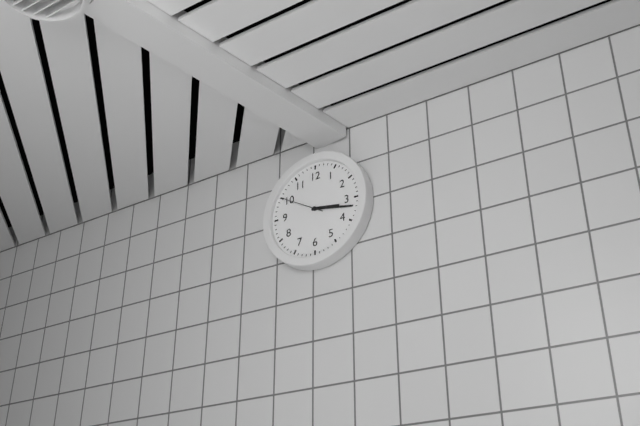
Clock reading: {"hour": 3, "minute": 17}
